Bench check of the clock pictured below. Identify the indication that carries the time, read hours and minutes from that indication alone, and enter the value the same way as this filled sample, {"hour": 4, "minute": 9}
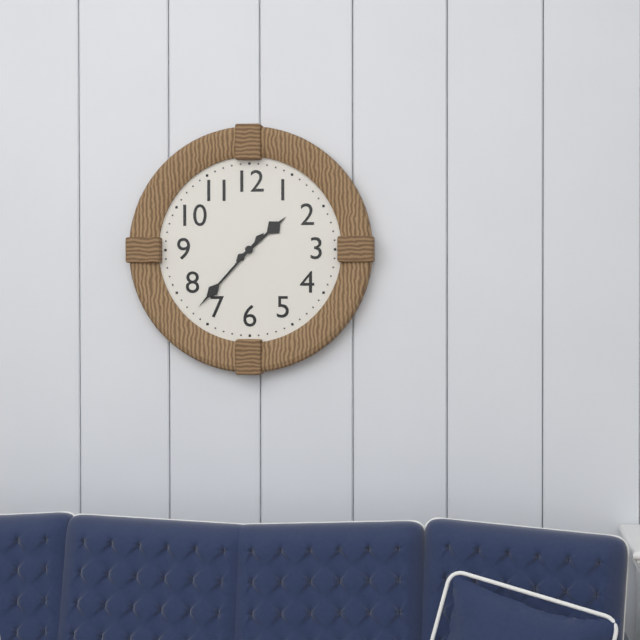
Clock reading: {"hour": 1, "minute": 37}
